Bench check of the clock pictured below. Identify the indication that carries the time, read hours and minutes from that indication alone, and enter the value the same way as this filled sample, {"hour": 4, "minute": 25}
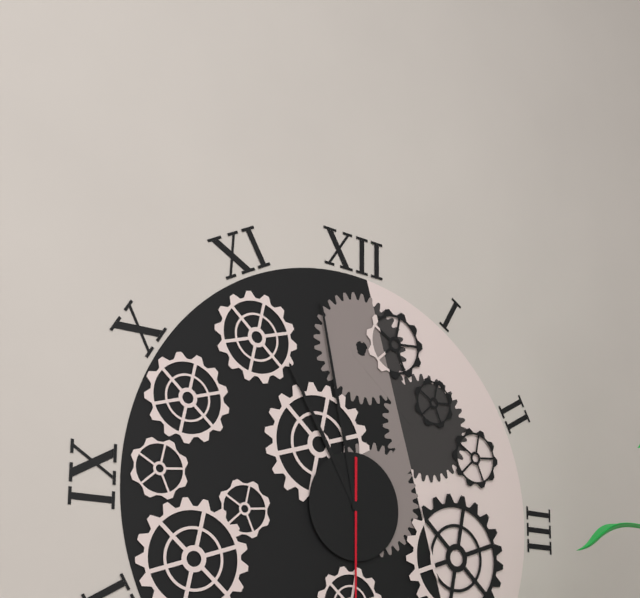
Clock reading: {"hour": 10, "minute": 58}
